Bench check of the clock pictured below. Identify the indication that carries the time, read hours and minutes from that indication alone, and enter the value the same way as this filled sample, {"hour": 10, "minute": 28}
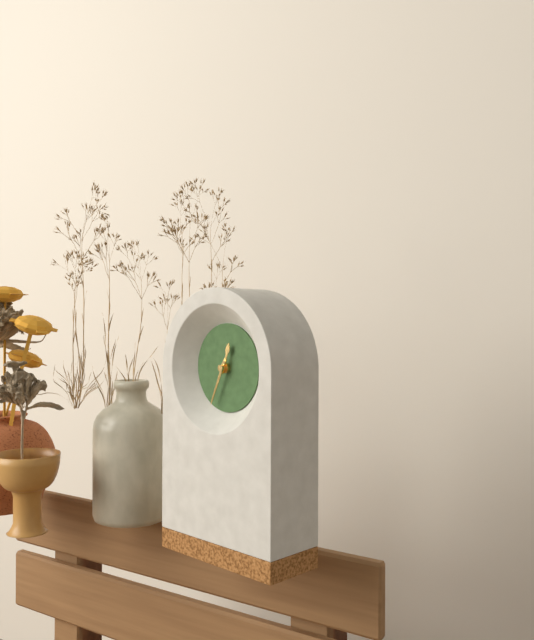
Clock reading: {"hour": 12, "minute": 34}
